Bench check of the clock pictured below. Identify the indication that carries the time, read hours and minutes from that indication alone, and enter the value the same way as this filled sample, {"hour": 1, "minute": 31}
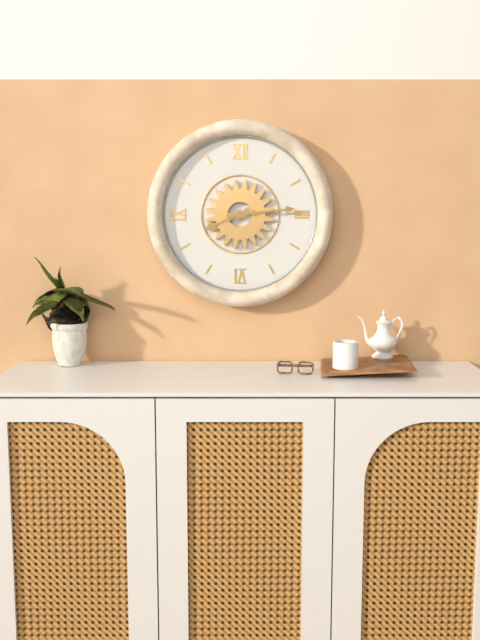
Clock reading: {"hour": 8, "minute": 14}
